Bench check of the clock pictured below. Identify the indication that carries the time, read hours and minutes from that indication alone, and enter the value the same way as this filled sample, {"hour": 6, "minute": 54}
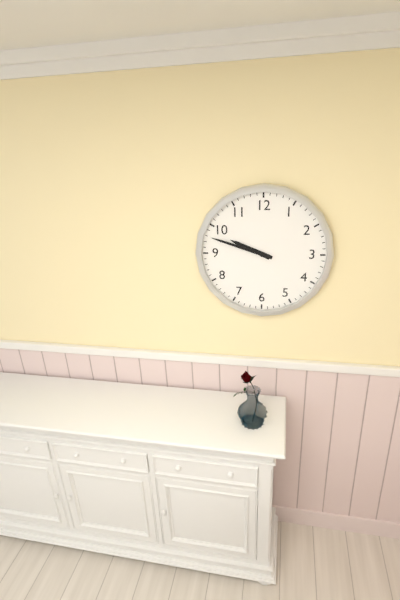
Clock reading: {"hour": 9, "minute": 48}
